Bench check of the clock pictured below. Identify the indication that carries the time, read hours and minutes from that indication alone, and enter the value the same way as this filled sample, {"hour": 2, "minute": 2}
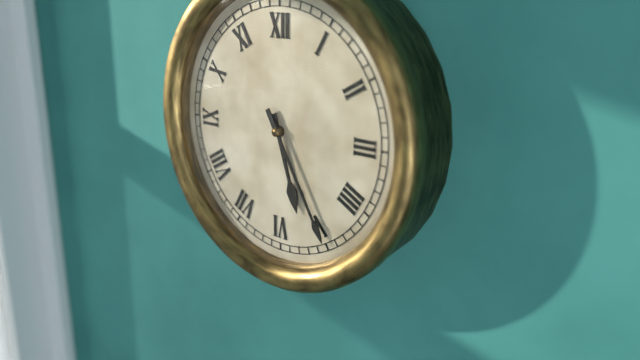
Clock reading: {"hour": 5, "minute": 25}
